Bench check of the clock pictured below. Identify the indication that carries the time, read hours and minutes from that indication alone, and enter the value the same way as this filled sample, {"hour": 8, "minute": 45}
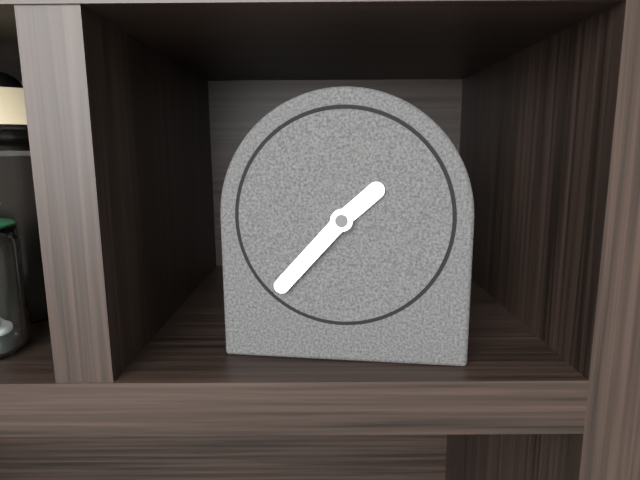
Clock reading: {"hour": 1, "minute": 37}
